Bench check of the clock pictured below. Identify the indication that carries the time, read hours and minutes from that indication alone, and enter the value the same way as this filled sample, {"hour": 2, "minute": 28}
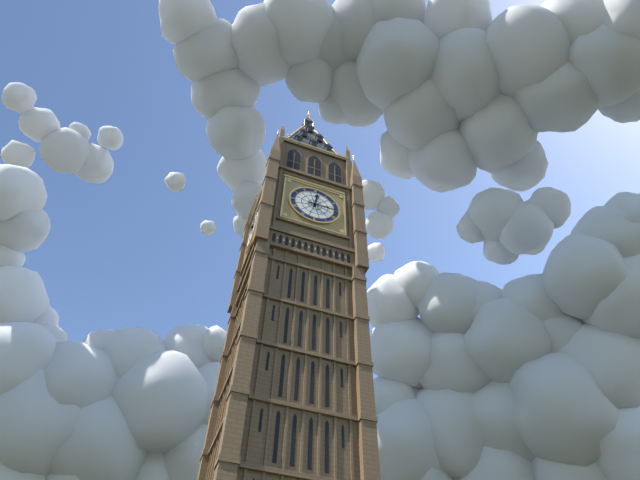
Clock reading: {"hour": 12, "minute": 15}
